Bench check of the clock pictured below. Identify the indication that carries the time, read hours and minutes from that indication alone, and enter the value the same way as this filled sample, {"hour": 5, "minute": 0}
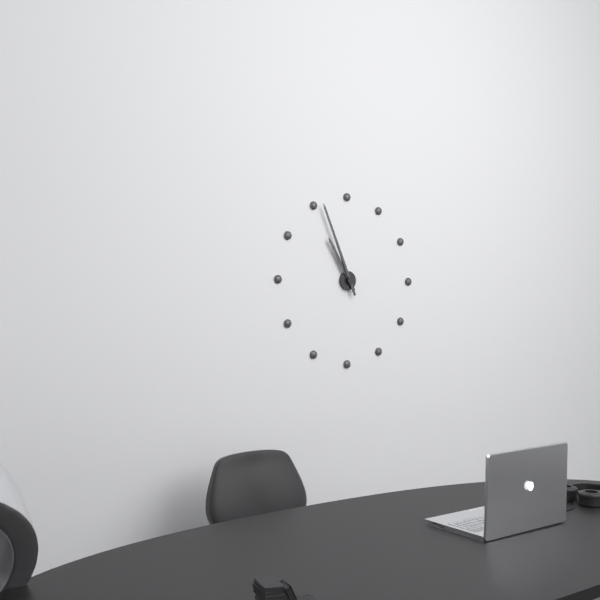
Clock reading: {"hour": 10, "minute": 56}
